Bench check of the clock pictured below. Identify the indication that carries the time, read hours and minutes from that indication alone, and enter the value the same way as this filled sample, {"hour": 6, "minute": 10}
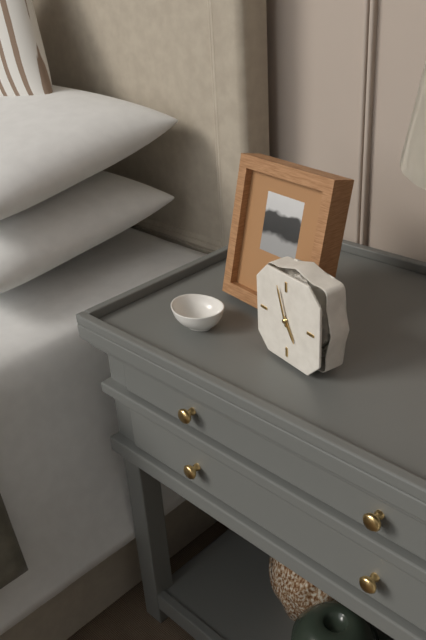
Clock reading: {"hour": 4, "minute": 57}
